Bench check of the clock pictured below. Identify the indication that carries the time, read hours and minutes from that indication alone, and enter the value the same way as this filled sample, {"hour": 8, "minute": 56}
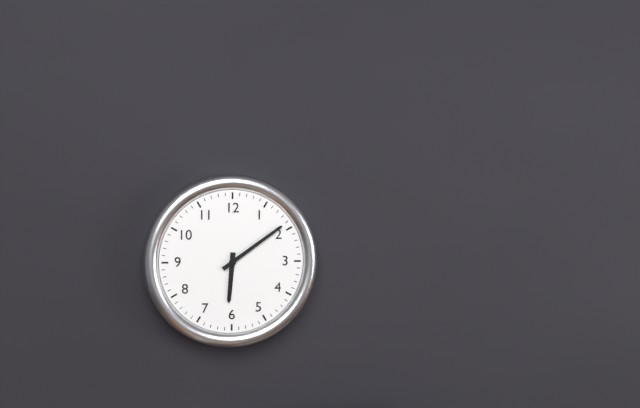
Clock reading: {"hour": 6, "minute": 9}
